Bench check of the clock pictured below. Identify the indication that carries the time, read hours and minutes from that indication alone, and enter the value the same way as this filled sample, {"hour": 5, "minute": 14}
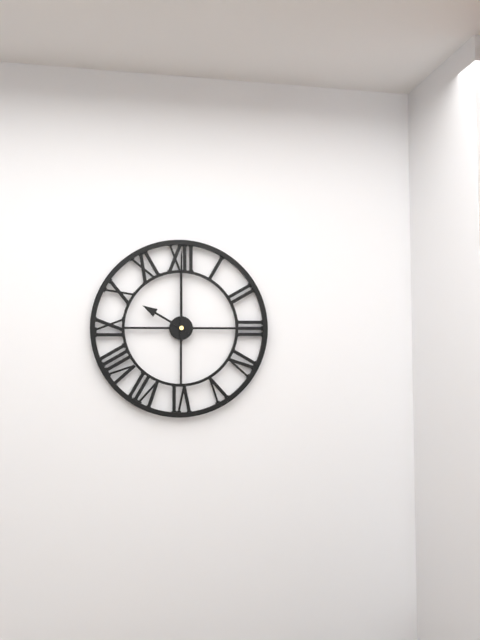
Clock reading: {"hour": 10, "minute": 0}
